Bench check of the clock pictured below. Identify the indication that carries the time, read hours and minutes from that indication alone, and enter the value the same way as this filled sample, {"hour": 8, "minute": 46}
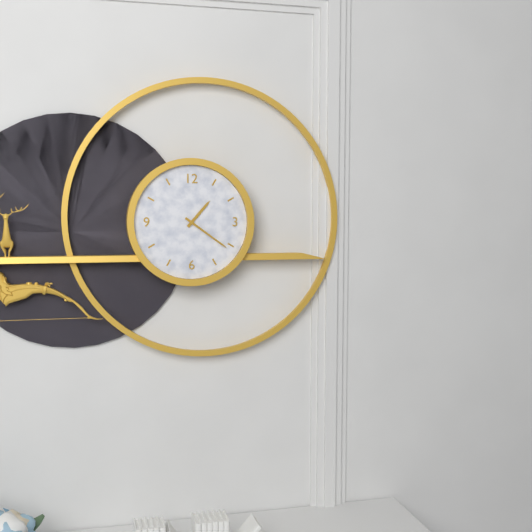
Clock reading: {"hour": 1, "minute": 21}
